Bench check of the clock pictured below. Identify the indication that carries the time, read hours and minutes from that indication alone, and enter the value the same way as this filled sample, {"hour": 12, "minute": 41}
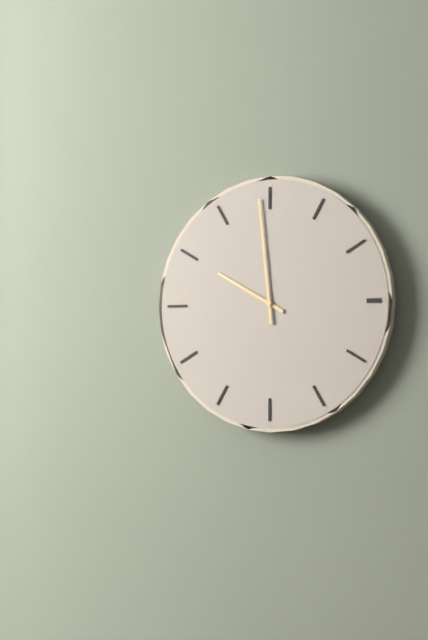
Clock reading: {"hour": 9, "minute": 59}
